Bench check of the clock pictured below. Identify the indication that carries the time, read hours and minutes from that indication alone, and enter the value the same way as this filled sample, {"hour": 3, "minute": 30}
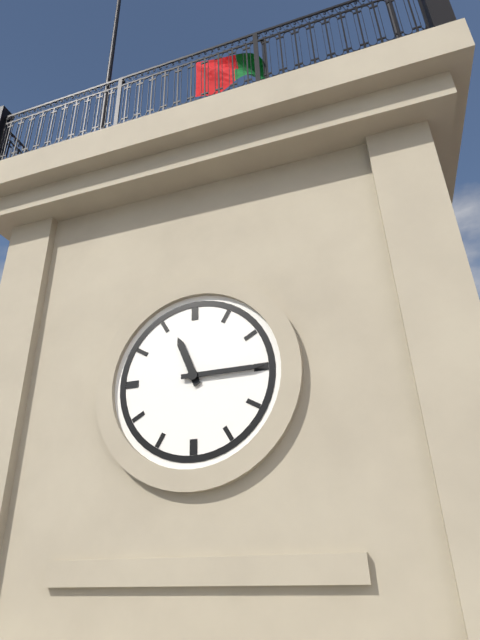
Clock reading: {"hour": 11, "minute": 15}
